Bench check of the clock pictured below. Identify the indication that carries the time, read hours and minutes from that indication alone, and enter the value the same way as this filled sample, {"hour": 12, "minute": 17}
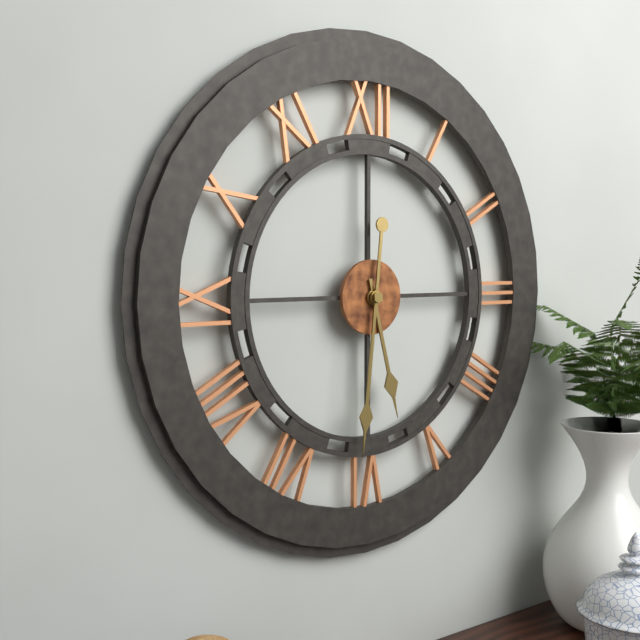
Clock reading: {"hour": 5, "minute": 31}
